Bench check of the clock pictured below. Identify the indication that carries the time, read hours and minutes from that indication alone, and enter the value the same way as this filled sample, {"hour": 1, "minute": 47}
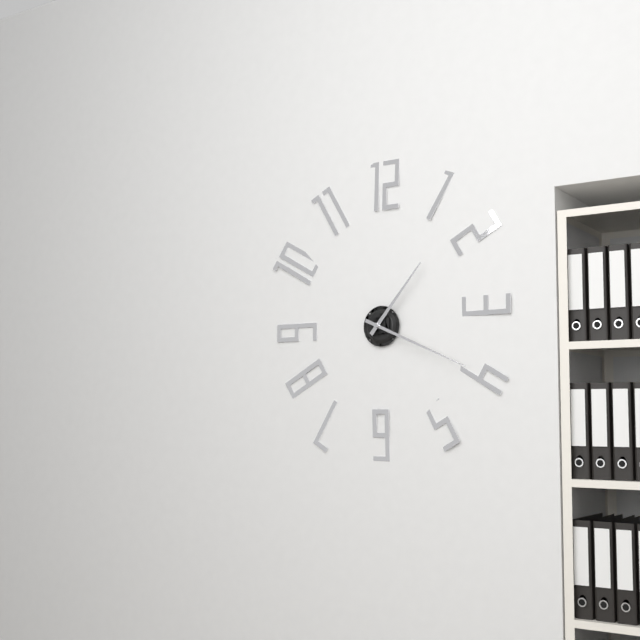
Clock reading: {"hour": 1, "minute": 19}
